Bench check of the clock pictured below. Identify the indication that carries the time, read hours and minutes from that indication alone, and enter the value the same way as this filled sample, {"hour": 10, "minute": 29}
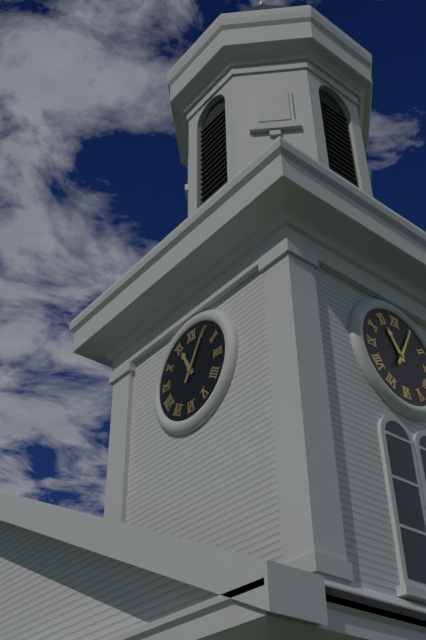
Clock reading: {"hour": 11, "minute": 5}
